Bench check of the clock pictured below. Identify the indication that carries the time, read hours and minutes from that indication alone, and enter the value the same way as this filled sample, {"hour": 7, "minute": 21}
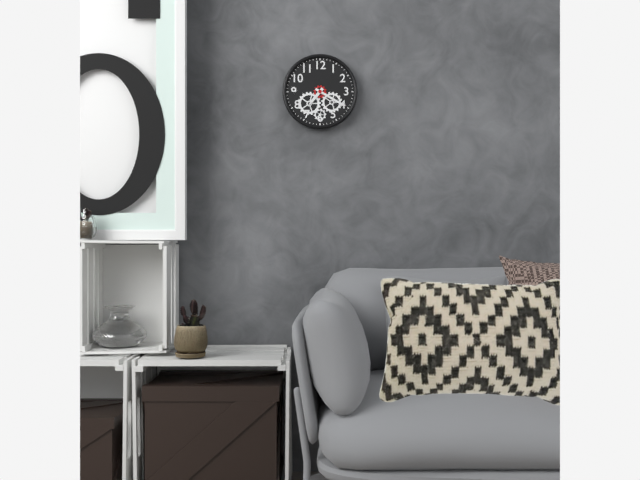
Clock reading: {"hour": 7, "minute": 20}
